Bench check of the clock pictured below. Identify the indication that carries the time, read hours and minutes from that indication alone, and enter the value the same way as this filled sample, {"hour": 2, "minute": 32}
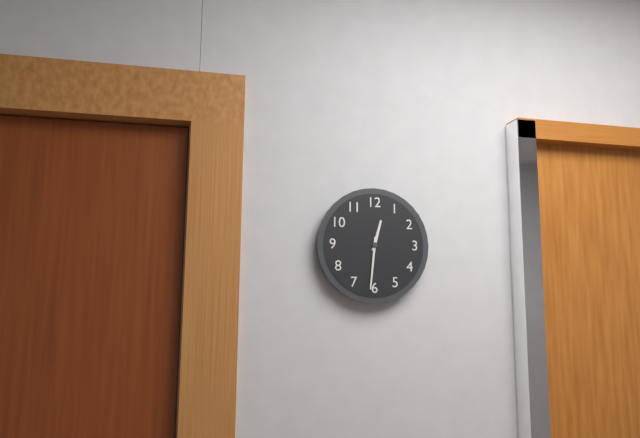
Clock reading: {"hour": 12, "minute": 31}
